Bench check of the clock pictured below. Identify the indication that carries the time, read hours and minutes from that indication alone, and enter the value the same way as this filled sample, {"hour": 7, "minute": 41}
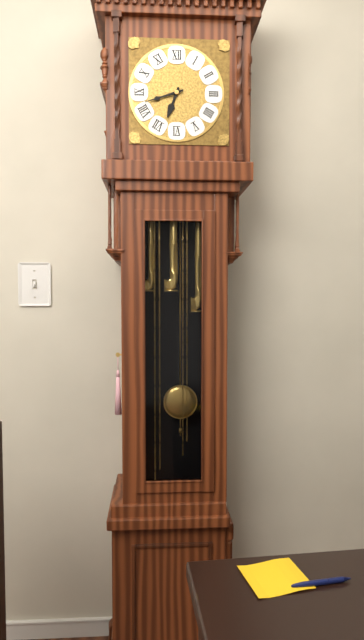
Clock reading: {"hour": 6, "minute": 42}
